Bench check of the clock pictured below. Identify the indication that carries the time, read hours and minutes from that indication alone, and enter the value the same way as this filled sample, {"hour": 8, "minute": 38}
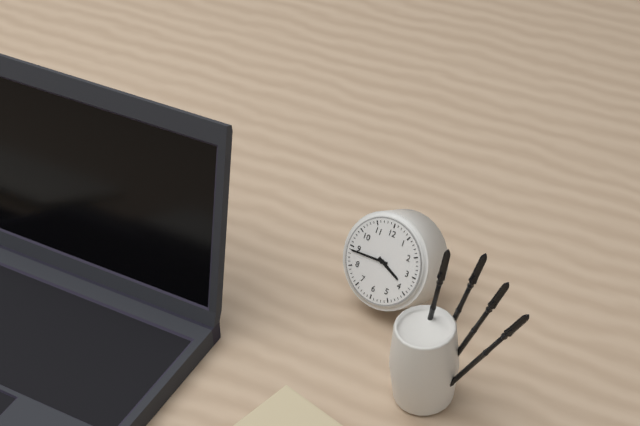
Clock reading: {"hour": 3, "minute": 44}
